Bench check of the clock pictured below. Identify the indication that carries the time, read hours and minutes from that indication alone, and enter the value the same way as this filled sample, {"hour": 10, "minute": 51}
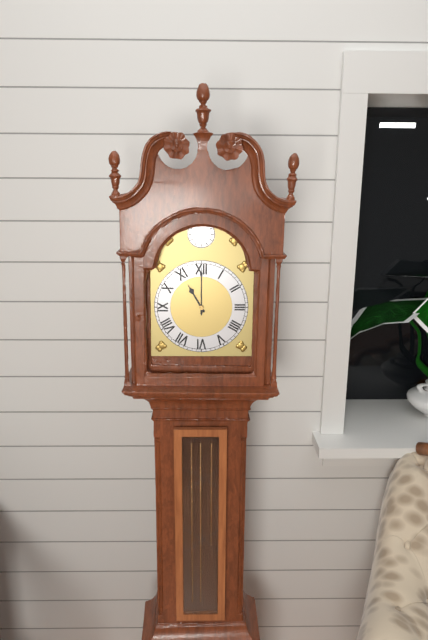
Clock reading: {"hour": 11, "minute": 0}
